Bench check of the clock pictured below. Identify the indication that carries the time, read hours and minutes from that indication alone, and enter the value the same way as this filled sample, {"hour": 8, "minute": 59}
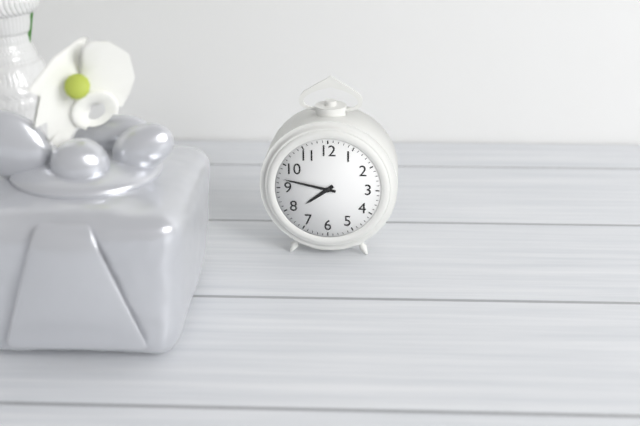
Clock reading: {"hour": 7, "minute": 47}
